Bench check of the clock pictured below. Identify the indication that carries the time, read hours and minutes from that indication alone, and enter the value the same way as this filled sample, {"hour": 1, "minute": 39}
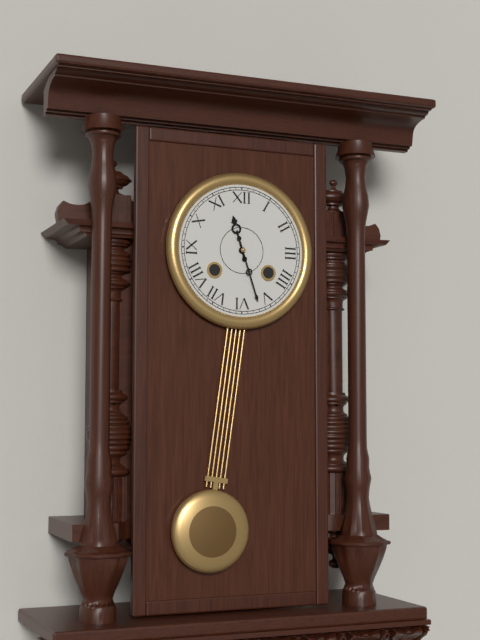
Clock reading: {"hour": 11, "minute": 27}
